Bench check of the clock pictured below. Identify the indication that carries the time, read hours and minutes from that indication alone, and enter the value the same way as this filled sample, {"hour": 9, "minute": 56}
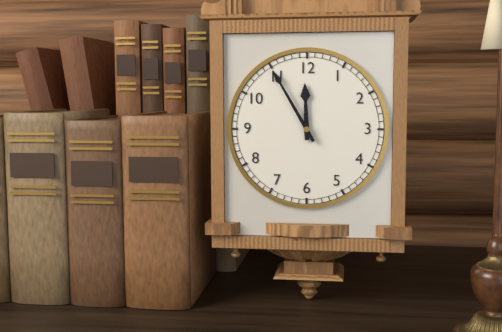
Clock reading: {"hour": 11, "minute": 55}
